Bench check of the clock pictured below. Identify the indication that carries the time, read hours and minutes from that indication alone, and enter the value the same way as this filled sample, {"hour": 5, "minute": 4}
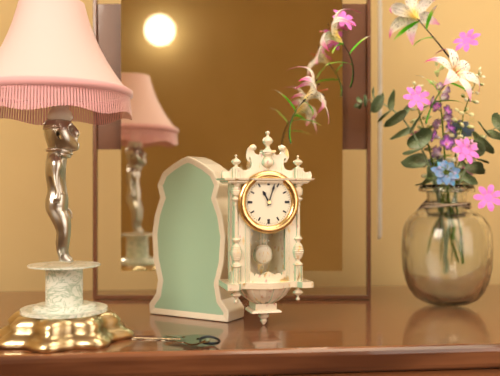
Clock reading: {"hour": 11, "minute": 3}
